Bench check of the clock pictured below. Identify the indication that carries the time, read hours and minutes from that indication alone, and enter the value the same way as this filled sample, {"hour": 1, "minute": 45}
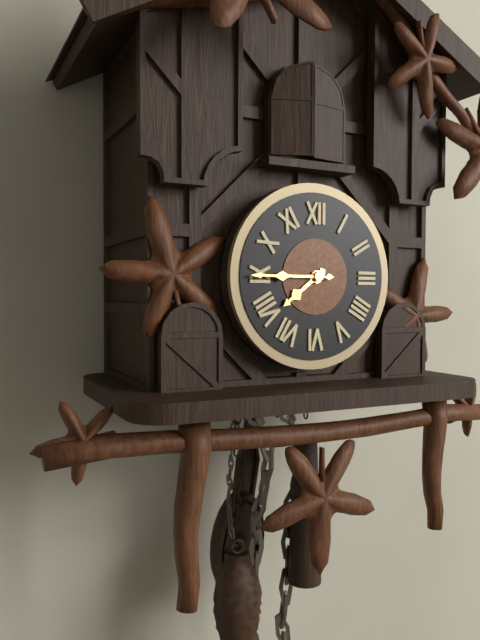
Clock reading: {"hour": 7, "minute": 45}
